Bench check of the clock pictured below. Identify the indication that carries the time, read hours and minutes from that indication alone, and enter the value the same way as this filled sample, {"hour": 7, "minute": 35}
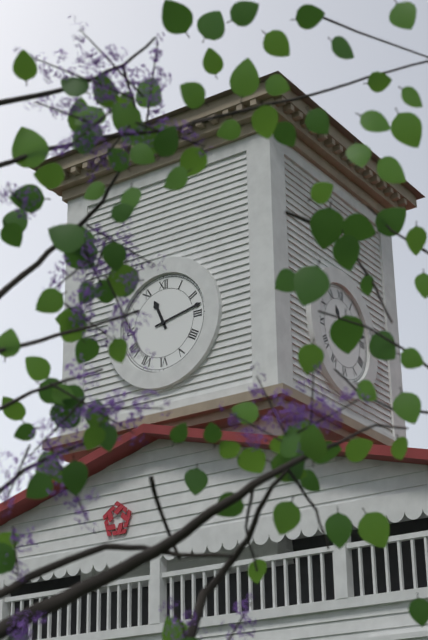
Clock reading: {"hour": 11, "minute": 13}
